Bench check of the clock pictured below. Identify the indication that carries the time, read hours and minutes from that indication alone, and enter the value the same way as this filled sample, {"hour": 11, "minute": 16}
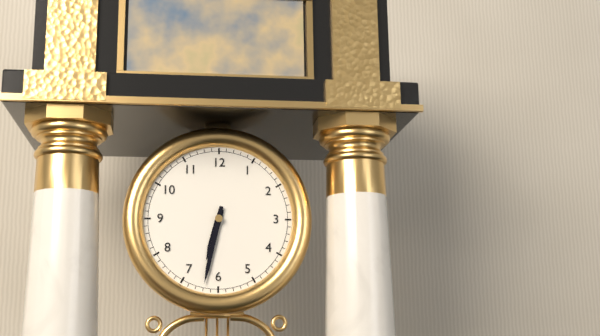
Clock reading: {"hour": 6, "minute": 32}
